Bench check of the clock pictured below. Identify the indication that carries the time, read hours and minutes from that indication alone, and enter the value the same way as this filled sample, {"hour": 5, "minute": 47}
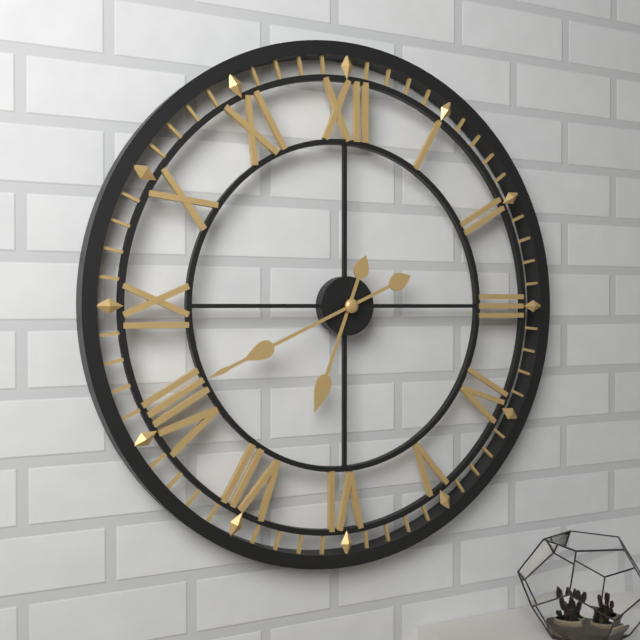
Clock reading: {"hour": 6, "minute": 41}
